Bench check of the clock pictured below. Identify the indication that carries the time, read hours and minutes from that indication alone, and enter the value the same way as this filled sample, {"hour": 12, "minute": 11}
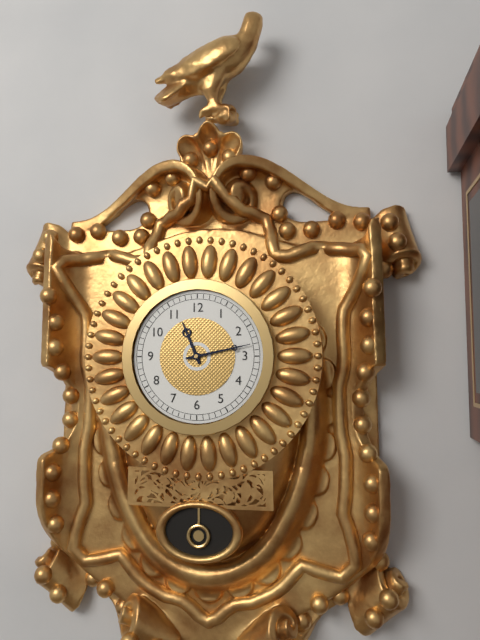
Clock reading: {"hour": 11, "minute": 13}
